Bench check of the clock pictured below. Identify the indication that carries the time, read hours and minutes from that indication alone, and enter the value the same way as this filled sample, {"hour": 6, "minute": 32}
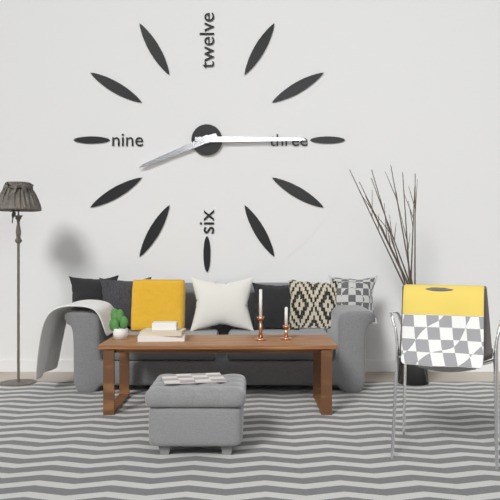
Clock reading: {"hour": 8, "minute": 15}
